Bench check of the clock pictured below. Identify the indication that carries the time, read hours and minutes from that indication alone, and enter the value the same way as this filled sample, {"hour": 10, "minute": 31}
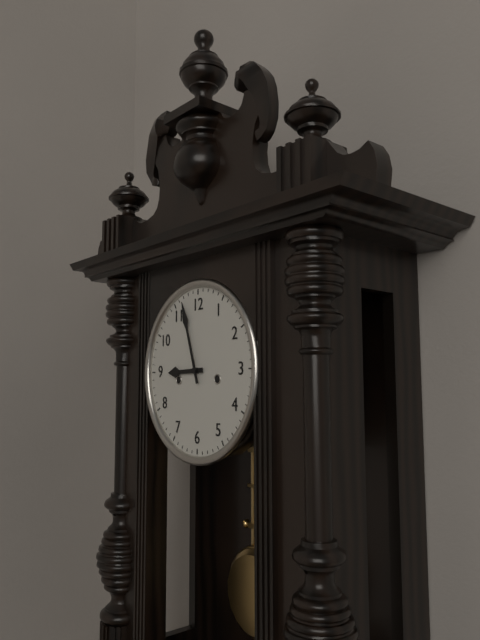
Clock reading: {"hour": 8, "minute": 57}
